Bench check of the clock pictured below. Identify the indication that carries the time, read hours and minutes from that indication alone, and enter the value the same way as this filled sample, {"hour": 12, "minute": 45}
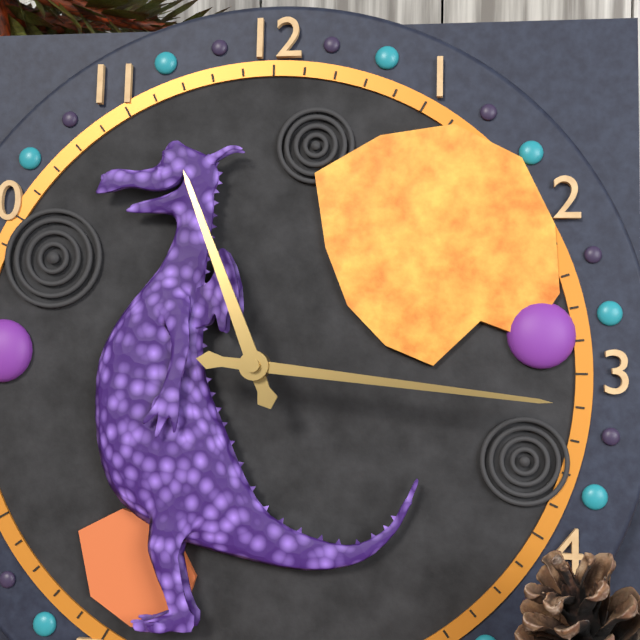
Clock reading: {"hour": 11, "minute": 16}
